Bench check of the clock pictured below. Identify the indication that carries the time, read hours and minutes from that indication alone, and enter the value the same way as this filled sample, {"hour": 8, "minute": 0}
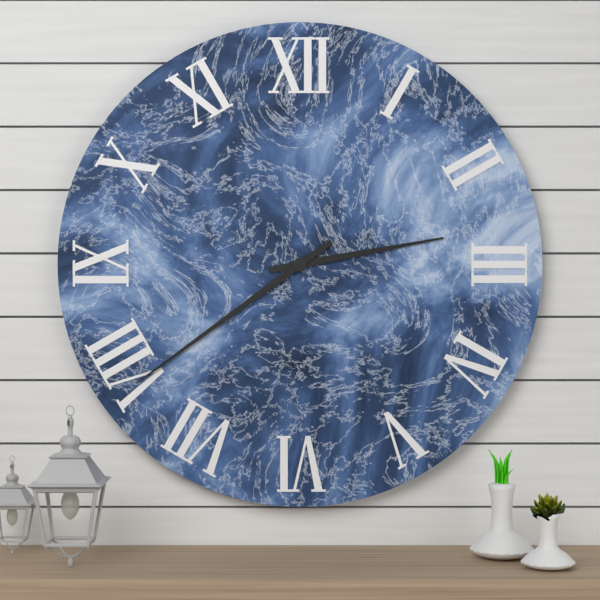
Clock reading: {"hour": 2, "minute": 39}
